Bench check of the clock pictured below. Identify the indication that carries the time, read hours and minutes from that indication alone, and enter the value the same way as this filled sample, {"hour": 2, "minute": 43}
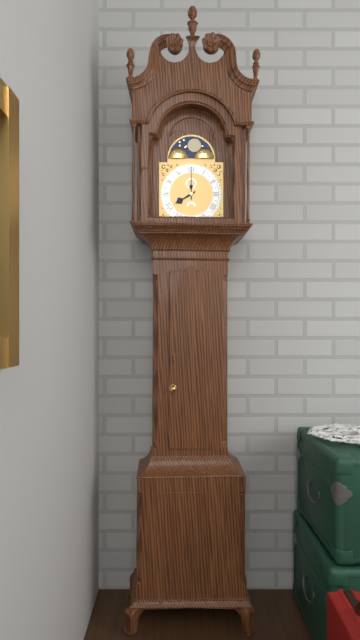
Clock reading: {"hour": 8, "minute": 0}
